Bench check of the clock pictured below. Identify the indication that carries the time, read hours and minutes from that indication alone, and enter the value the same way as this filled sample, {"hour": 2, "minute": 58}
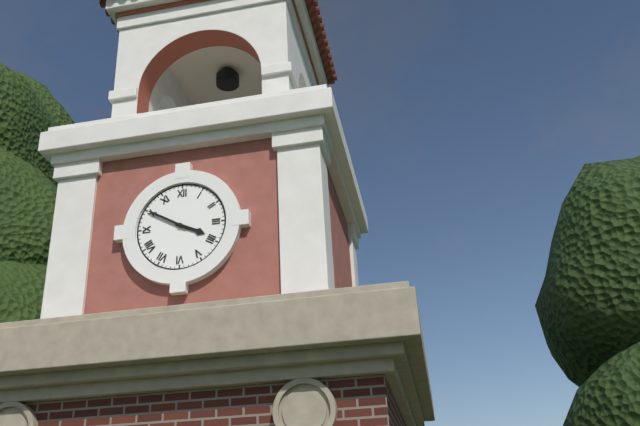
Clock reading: {"hour": 3, "minute": 50}
